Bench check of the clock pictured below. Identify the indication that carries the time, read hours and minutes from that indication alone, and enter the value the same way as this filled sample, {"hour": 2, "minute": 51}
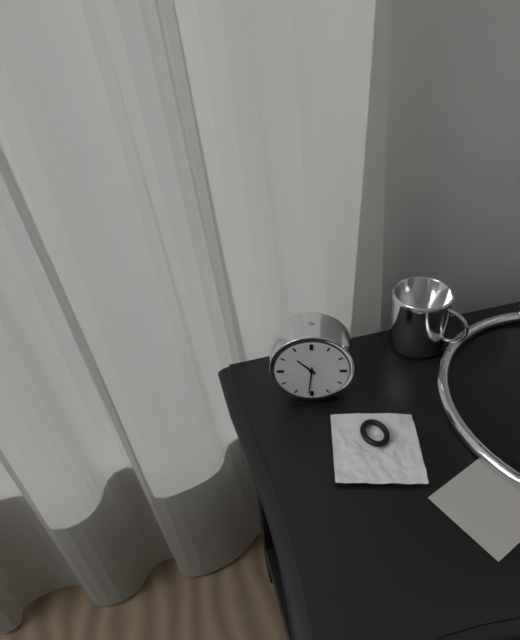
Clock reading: {"hour": 10, "minute": 31}
